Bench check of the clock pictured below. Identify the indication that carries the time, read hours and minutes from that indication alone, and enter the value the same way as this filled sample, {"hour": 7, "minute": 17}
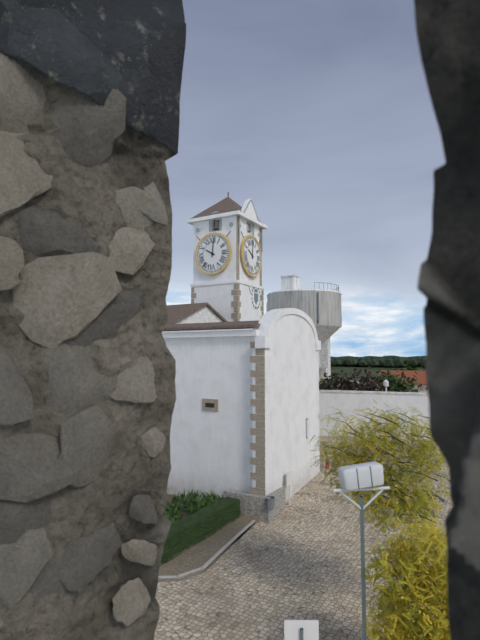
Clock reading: {"hour": 10, "minute": 1}
